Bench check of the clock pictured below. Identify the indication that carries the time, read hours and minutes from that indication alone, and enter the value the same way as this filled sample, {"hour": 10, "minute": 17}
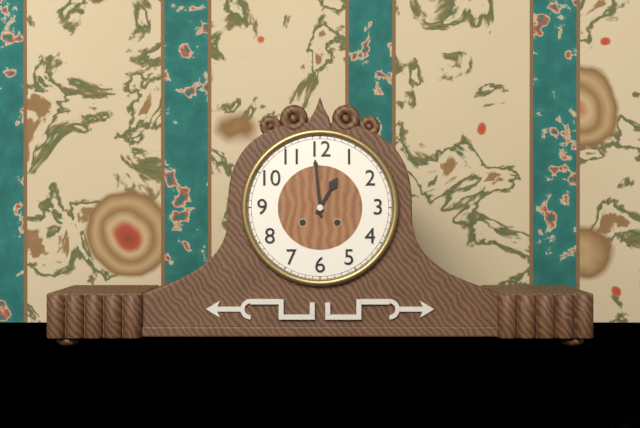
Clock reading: {"hour": 12, "minute": 59}
